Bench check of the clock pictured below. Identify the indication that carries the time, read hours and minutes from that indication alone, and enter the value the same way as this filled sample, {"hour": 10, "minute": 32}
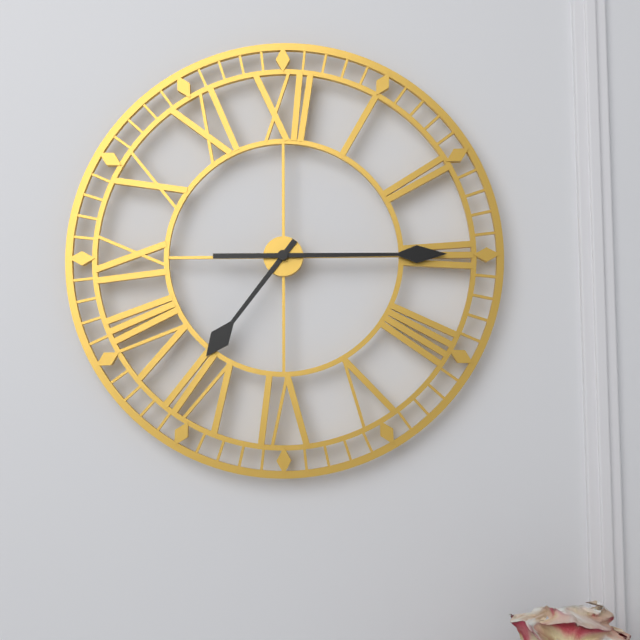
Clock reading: {"hour": 7, "minute": 15}
